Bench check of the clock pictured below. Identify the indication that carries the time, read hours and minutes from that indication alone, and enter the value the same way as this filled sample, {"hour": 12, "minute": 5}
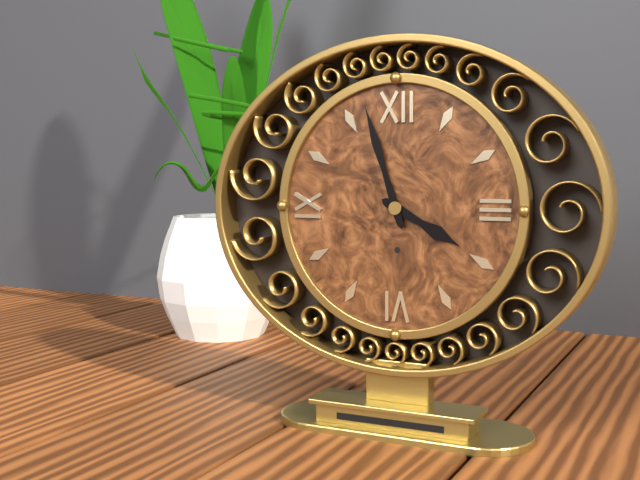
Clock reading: {"hour": 3, "minute": 57}
